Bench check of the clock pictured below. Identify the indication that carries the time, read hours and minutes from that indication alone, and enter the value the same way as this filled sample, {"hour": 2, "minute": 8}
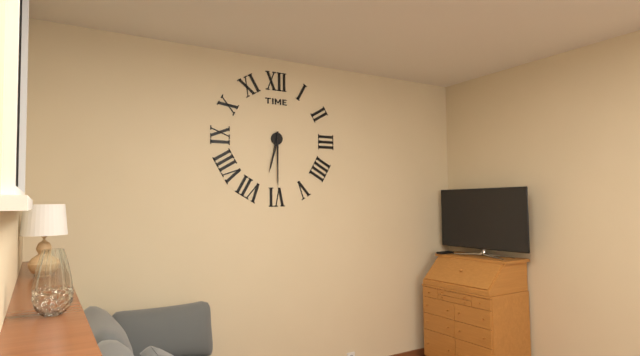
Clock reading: {"hour": 6, "minute": 30}
